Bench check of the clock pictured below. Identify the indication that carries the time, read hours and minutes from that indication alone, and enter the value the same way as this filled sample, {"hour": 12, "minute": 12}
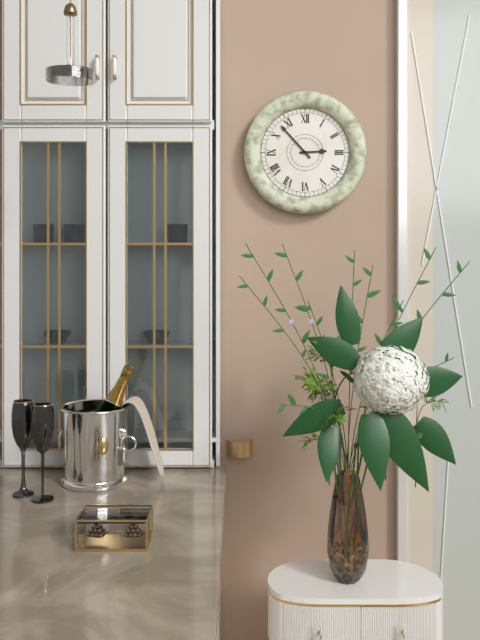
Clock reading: {"hour": 2, "minute": 53}
